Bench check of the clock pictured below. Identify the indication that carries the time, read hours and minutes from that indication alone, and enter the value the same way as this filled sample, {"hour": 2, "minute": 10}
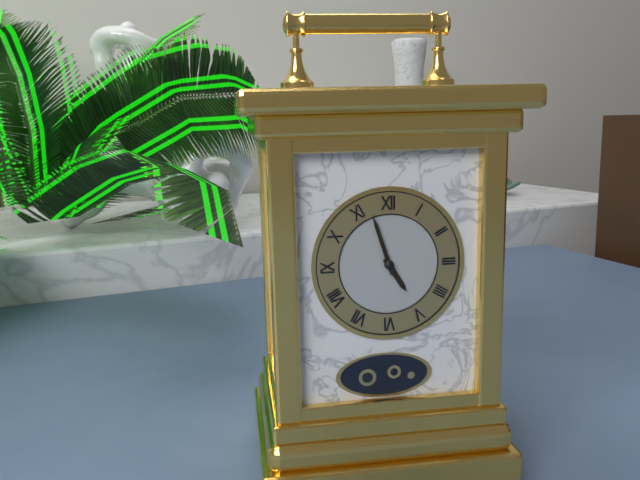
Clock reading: {"hour": 4, "minute": 57}
